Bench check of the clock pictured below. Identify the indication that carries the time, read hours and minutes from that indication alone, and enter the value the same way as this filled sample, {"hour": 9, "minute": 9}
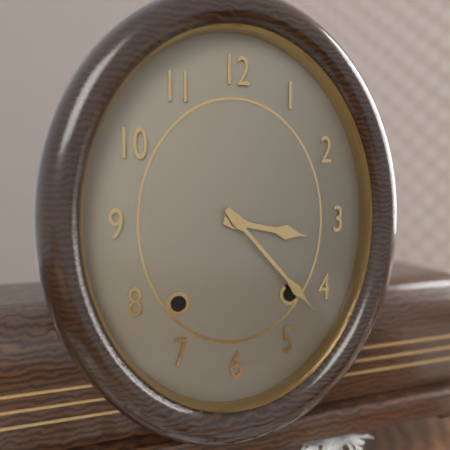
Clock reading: {"hour": 3, "minute": 23}
